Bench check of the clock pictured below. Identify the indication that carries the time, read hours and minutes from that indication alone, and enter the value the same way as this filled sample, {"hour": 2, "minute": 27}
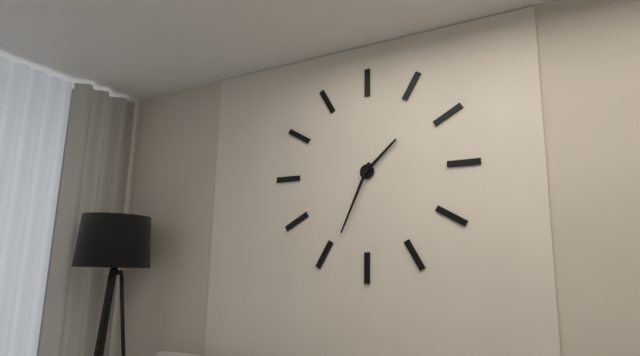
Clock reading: {"hour": 1, "minute": 34}
